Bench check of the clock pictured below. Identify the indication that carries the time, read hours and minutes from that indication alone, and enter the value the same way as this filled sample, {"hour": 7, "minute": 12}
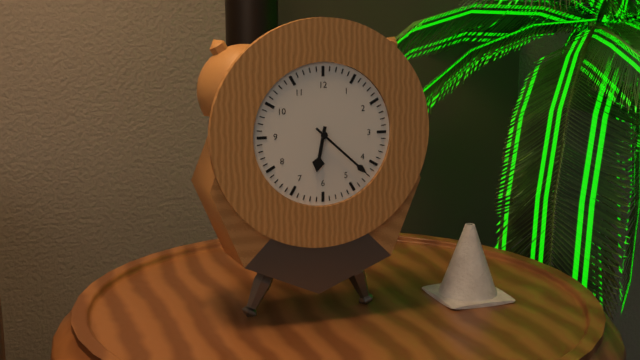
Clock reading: {"hour": 6, "minute": 22}
